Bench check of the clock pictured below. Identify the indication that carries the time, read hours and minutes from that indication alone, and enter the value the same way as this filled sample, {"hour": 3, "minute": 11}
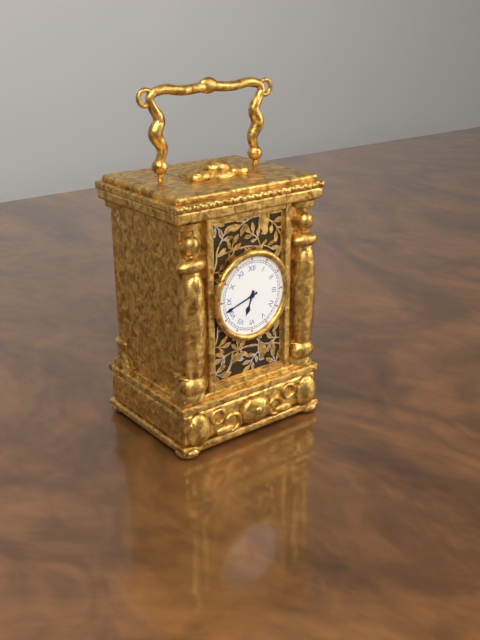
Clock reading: {"hour": 6, "minute": 42}
